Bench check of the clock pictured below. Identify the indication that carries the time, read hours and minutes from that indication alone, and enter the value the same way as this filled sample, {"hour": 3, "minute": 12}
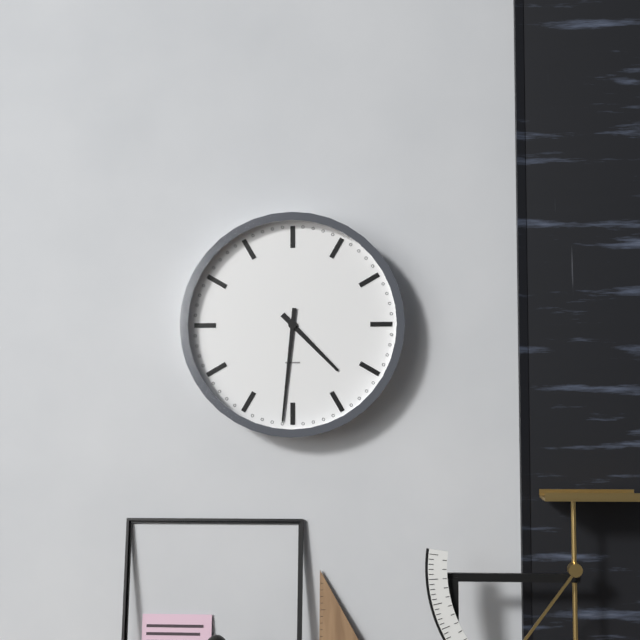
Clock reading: {"hour": 4, "minute": 31}
